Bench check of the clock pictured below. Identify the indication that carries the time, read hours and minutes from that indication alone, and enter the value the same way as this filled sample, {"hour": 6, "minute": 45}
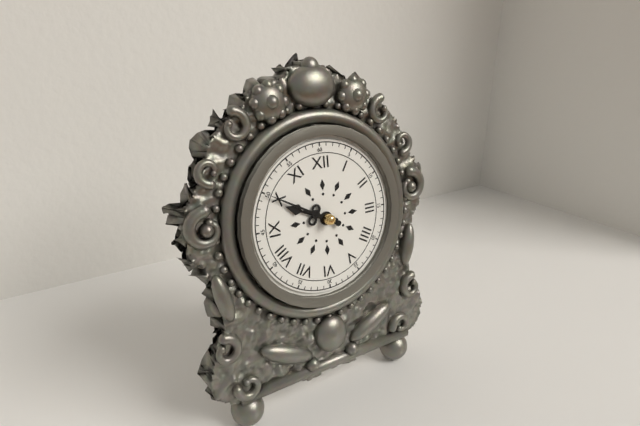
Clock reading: {"hour": 9, "minute": 50}
